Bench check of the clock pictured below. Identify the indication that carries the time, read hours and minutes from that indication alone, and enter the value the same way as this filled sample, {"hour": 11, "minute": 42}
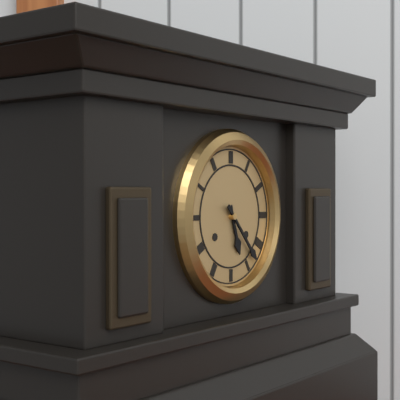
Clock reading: {"hour": 5, "minute": 23}
